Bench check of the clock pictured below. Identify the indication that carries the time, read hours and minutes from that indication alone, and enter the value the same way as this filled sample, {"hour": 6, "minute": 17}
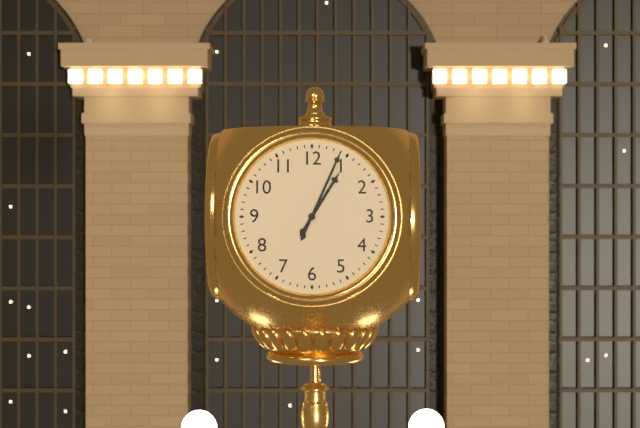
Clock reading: {"hour": 1, "minute": 4}
